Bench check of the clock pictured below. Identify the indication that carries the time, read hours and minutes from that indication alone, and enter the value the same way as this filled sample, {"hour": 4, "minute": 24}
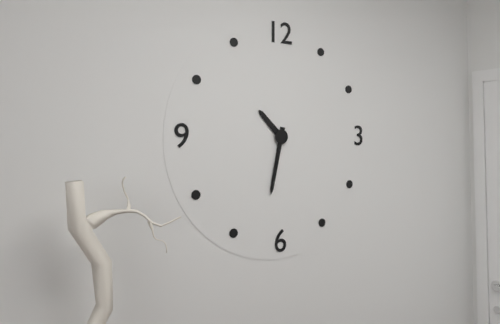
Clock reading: {"hour": 10, "minute": 32}
